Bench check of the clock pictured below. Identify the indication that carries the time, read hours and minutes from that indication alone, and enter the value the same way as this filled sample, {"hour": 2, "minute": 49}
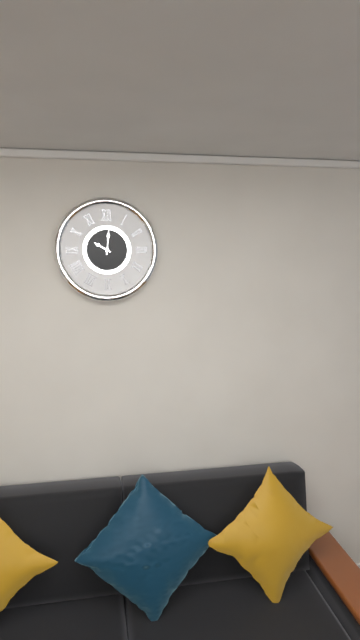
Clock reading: {"hour": 10, "minute": 1}
